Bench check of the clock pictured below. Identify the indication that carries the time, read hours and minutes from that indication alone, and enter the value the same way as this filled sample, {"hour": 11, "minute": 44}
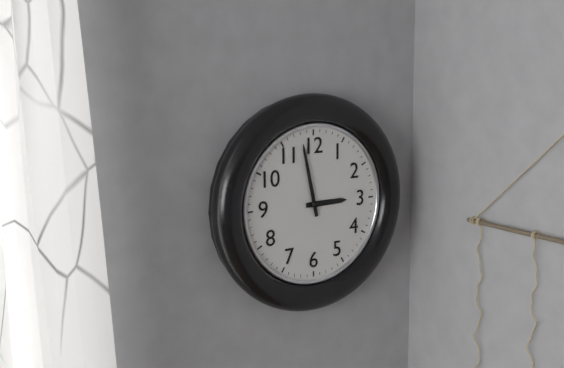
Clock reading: {"hour": 2, "minute": 58}
